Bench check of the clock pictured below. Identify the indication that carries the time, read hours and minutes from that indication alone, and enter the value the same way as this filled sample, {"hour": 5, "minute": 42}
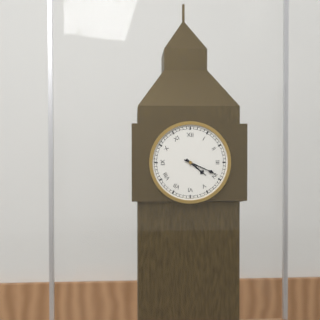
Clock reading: {"hour": 4, "minute": 19}
